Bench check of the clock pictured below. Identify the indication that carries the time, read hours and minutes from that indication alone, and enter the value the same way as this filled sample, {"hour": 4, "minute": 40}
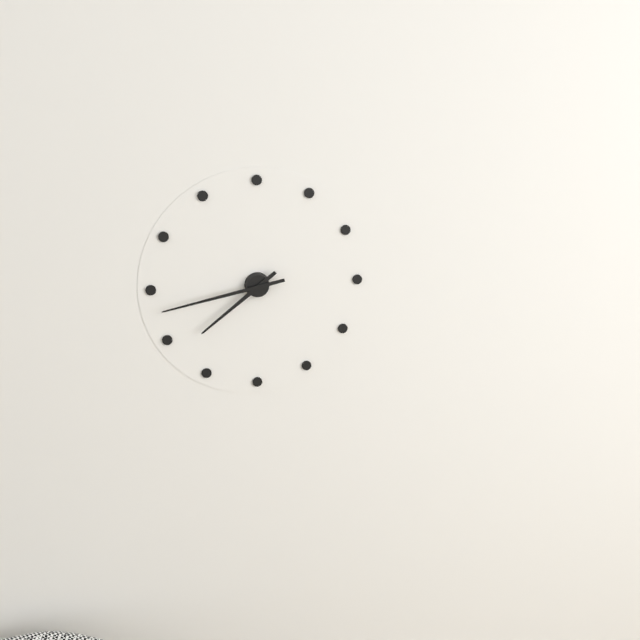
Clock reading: {"hour": 7, "minute": 43}
